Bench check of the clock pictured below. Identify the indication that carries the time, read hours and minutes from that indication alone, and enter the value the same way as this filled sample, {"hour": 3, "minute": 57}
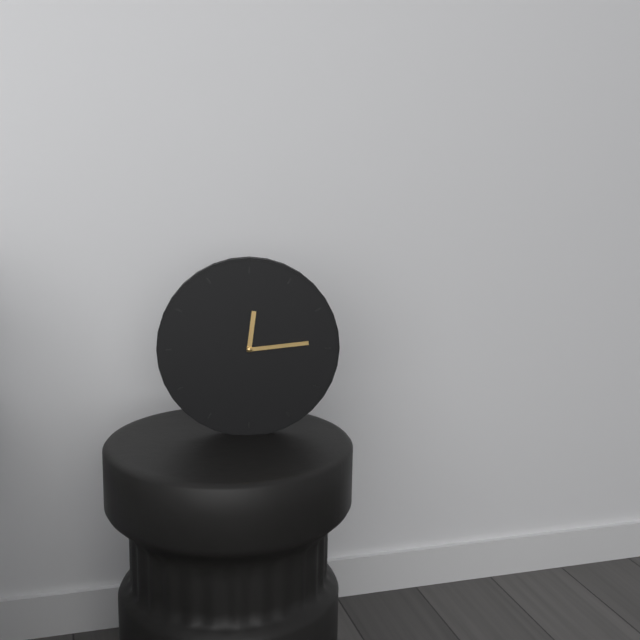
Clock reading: {"hour": 12, "minute": 14}
